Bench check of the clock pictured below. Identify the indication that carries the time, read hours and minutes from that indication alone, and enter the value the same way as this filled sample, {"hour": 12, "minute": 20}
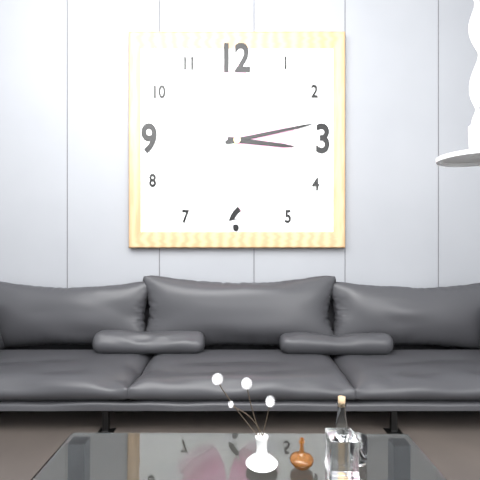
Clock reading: {"hour": 3, "minute": 13}
